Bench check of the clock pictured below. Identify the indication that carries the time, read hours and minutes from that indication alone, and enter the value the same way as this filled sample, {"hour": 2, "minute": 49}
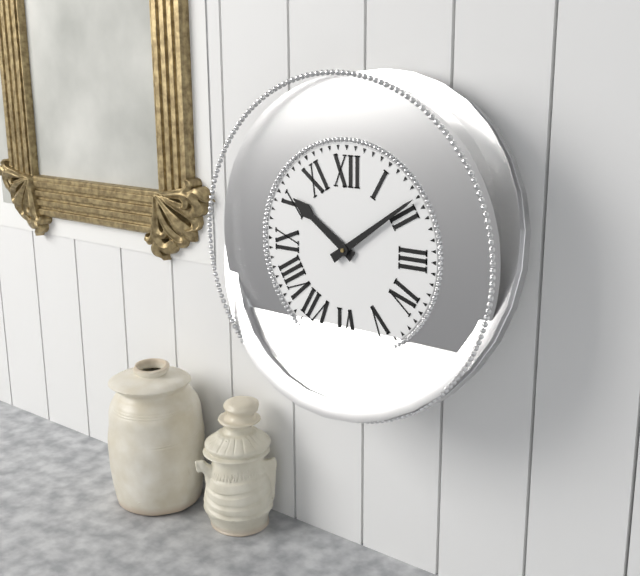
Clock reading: {"hour": 10, "minute": 9}
